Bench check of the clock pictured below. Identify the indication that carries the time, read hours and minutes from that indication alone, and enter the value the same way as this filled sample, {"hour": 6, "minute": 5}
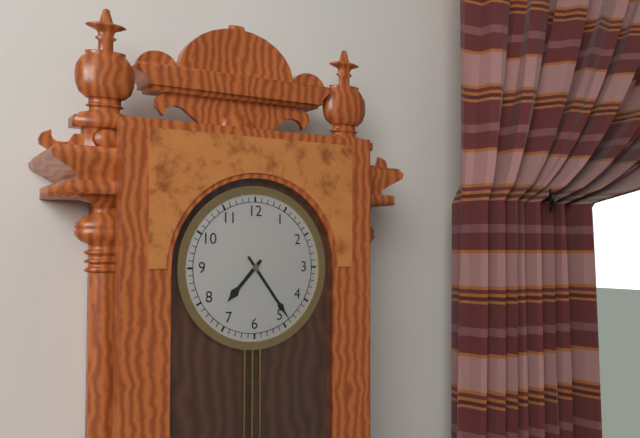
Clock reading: {"hour": 7, "minute": 24}
